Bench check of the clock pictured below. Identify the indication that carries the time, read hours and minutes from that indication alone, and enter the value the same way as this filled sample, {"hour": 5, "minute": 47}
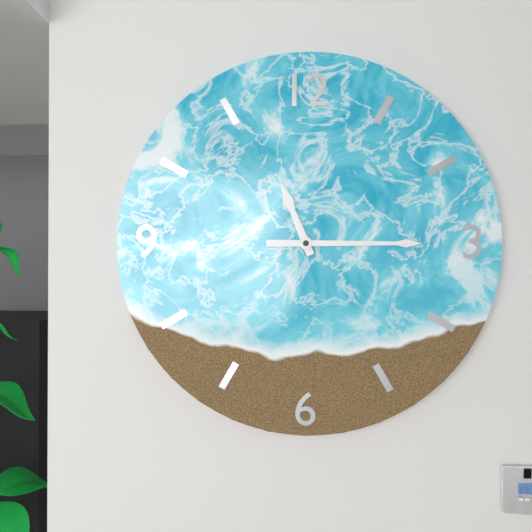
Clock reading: {"hour": 11, "minute": 15}
